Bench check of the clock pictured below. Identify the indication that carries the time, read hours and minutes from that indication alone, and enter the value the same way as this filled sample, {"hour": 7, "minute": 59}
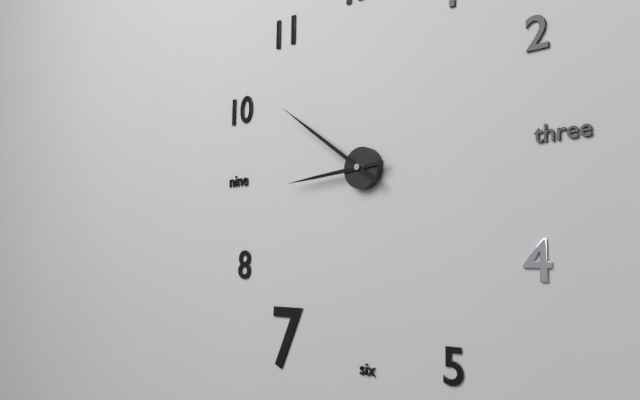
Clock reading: {"hour": 8, "minute": 51}
